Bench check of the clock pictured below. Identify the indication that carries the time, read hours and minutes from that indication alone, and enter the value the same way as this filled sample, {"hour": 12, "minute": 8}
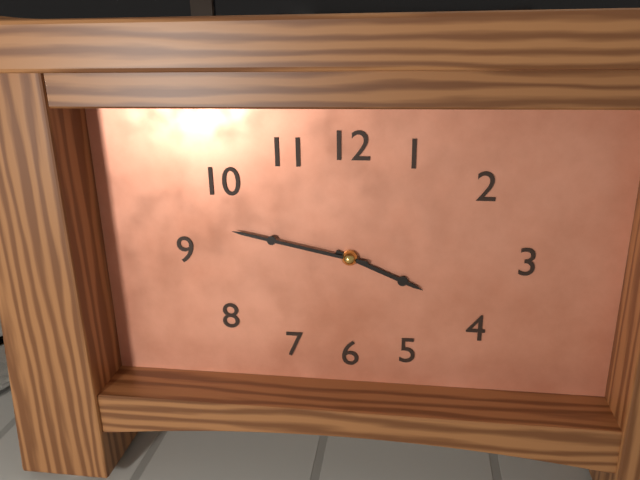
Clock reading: {"hour": 3, "minute": 47}
